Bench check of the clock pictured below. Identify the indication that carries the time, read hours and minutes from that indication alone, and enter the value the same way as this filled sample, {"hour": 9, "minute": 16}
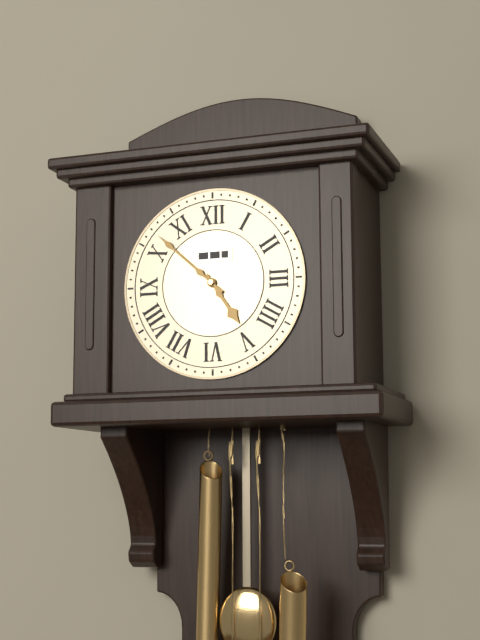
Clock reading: {"hour": 4, "minute": 52}
